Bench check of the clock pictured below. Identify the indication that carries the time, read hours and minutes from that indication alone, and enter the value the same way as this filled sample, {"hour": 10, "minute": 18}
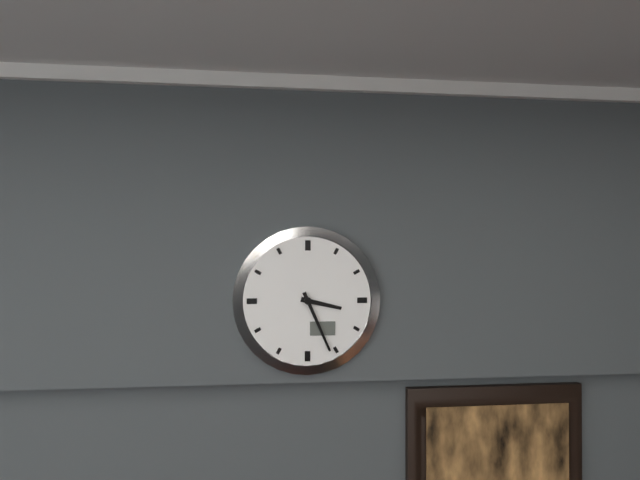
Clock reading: {"hour": 3, "minute": 26}
